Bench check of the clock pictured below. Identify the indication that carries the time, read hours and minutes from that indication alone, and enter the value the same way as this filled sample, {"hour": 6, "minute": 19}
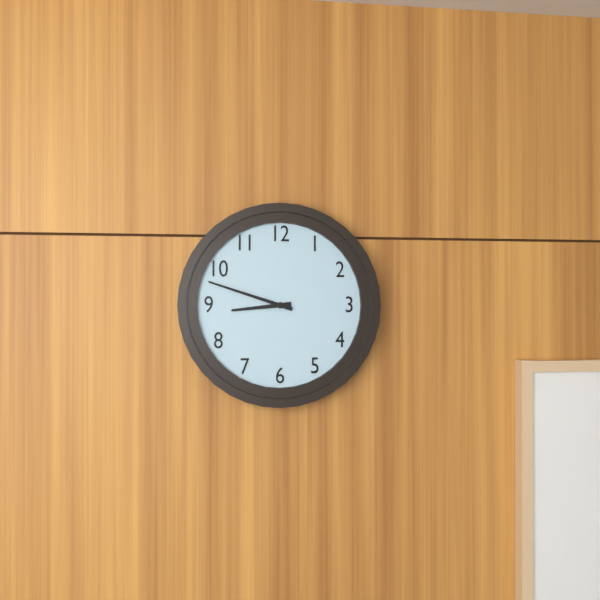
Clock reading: {"hour": 8, "minute": 48}
